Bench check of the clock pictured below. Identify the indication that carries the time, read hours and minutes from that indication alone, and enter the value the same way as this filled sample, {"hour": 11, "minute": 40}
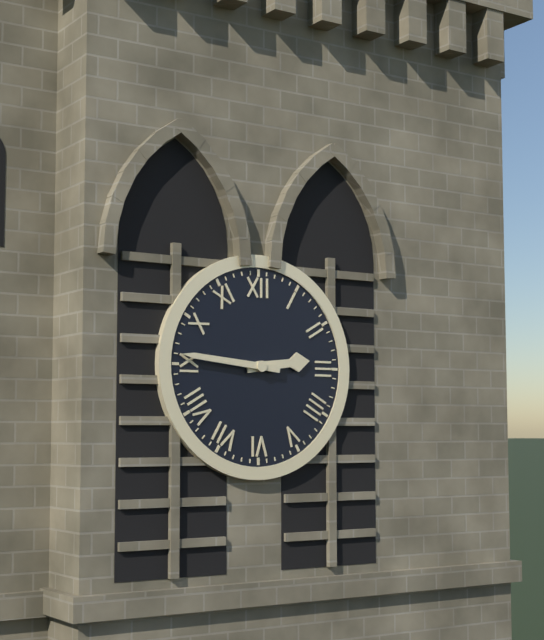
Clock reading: {"hour": 2, "minute": 46}
